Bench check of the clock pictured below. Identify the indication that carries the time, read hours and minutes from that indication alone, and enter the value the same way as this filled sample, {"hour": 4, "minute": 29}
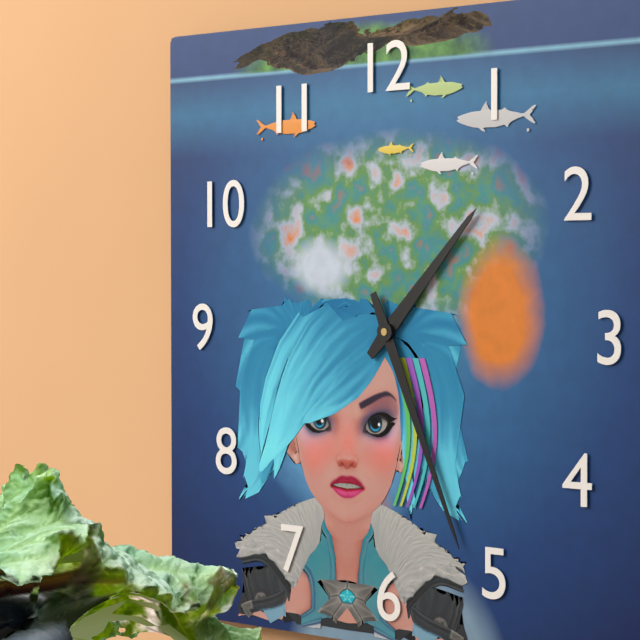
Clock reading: {"hour": 1, "minute": 26}
